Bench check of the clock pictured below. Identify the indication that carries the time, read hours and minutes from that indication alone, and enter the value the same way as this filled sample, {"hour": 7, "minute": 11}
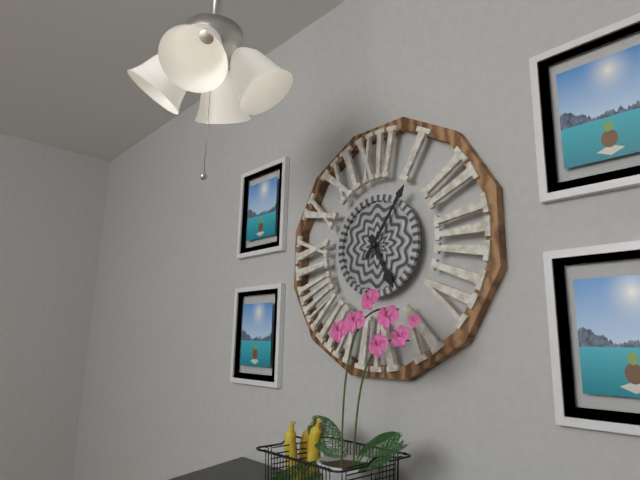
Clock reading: {"hour": 5, "minute": 6}
